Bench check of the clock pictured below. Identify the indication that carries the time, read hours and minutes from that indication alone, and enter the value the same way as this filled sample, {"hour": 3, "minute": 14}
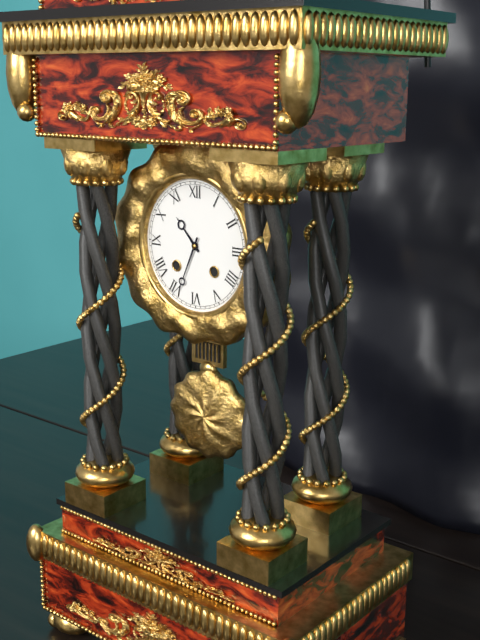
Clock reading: {"hour": 10, "minute": 34}
